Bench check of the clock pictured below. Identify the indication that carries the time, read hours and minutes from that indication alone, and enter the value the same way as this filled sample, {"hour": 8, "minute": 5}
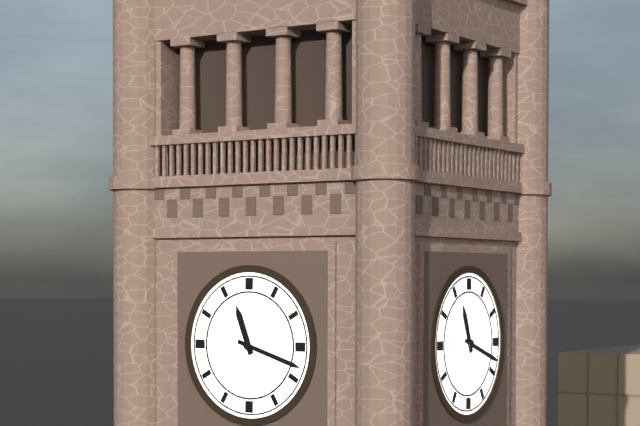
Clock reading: {"hour": 11, "minute": 18}
